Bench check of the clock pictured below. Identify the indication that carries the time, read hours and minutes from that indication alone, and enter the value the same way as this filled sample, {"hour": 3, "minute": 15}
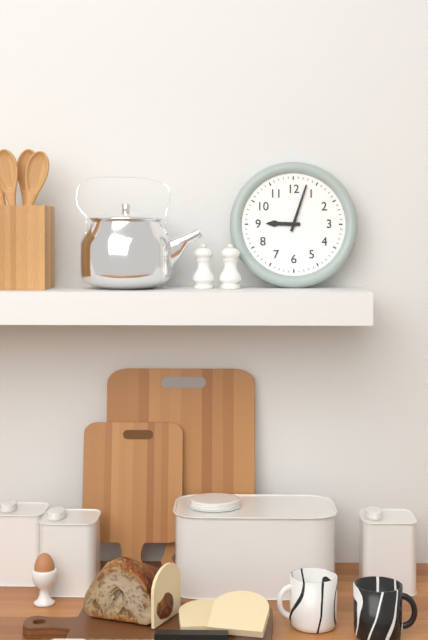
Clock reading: {"hour": 9, "minute": 3}
